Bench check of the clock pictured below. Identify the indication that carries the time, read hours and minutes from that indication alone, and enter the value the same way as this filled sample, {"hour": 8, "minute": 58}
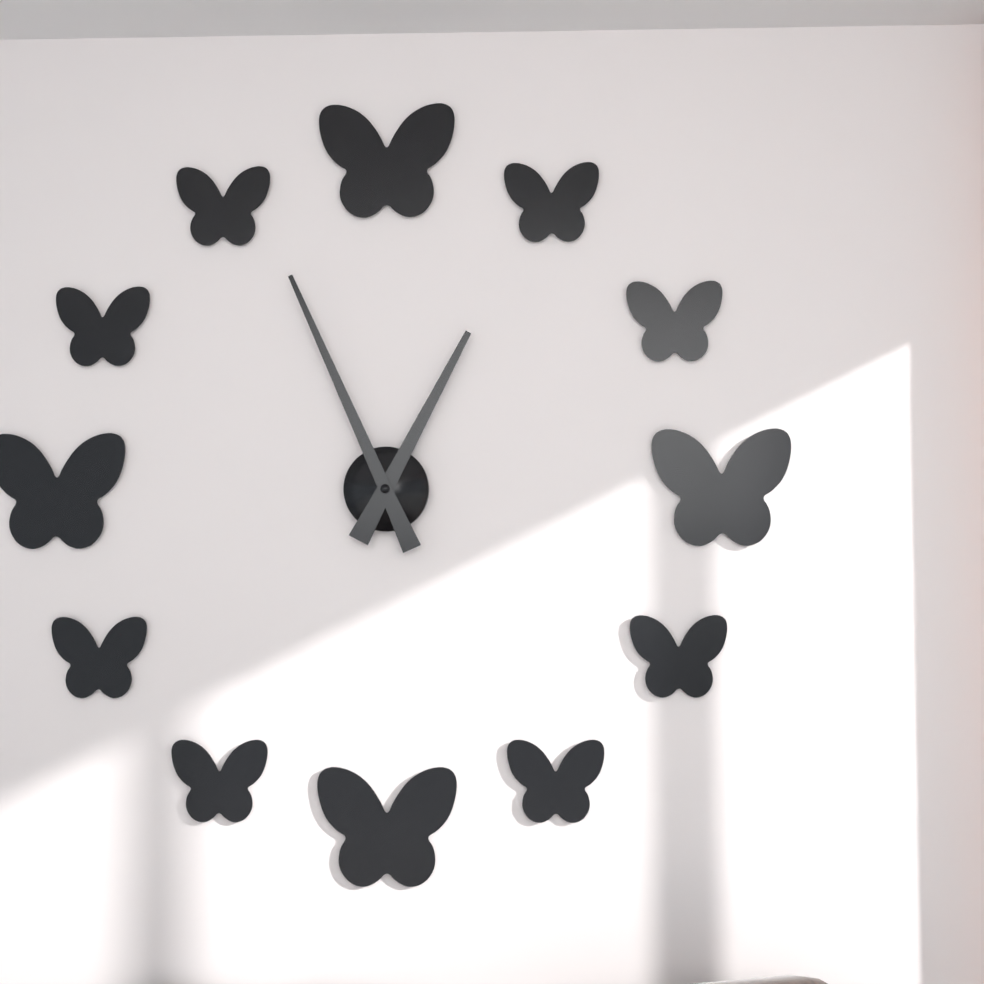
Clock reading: {"hour": 12, "minute": 56}
